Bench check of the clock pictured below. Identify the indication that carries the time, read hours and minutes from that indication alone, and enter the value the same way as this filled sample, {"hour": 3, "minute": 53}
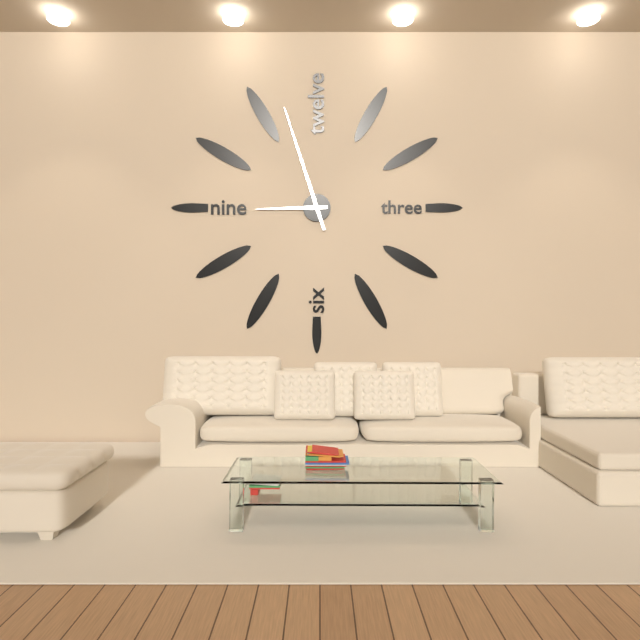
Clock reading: {"hour": 8, "minute": 57}
